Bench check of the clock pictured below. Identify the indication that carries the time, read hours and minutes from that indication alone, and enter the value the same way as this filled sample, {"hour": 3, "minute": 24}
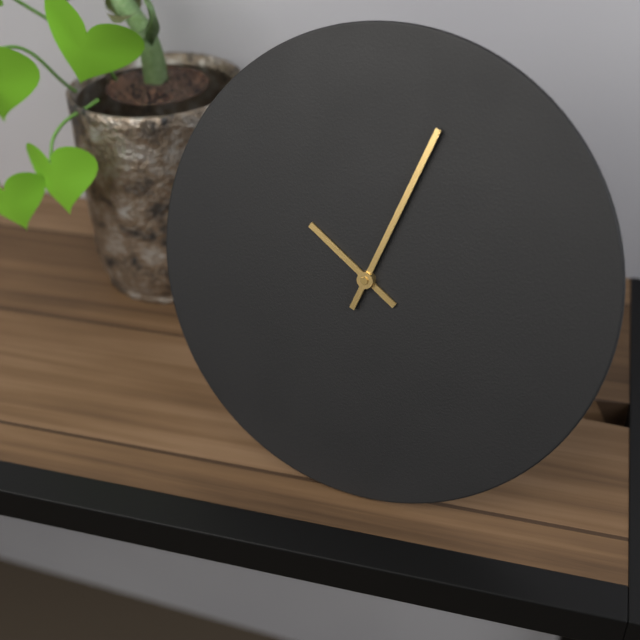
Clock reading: {"hour": 10, "minute": 3}
